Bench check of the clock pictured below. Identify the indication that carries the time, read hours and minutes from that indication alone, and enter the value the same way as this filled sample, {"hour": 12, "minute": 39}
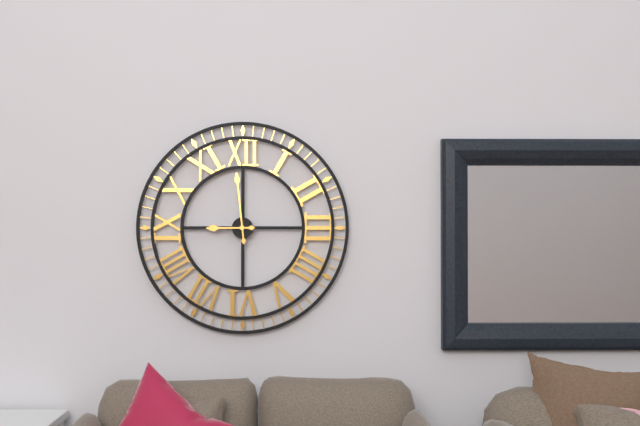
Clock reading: {"hour": 8, "minute": 59}
